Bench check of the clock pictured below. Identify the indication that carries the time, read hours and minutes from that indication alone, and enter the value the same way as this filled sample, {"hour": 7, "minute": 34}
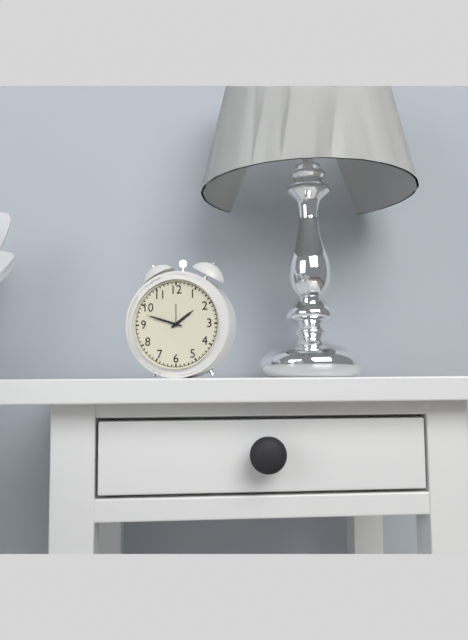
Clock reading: {"hour": 1, "minute": 48}
